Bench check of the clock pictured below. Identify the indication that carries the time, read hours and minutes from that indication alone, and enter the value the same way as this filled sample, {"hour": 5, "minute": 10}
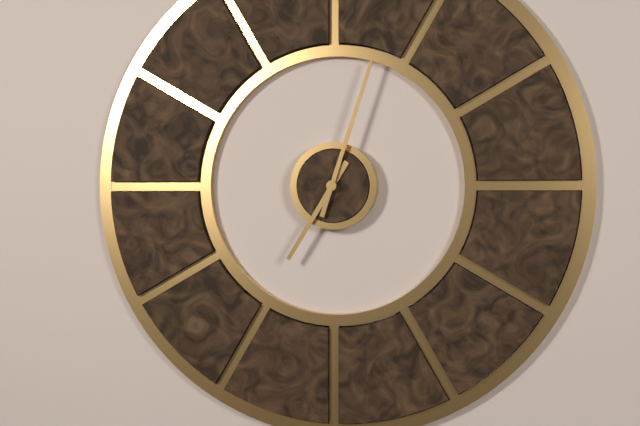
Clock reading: {"hour": 7, "minute": 3}
